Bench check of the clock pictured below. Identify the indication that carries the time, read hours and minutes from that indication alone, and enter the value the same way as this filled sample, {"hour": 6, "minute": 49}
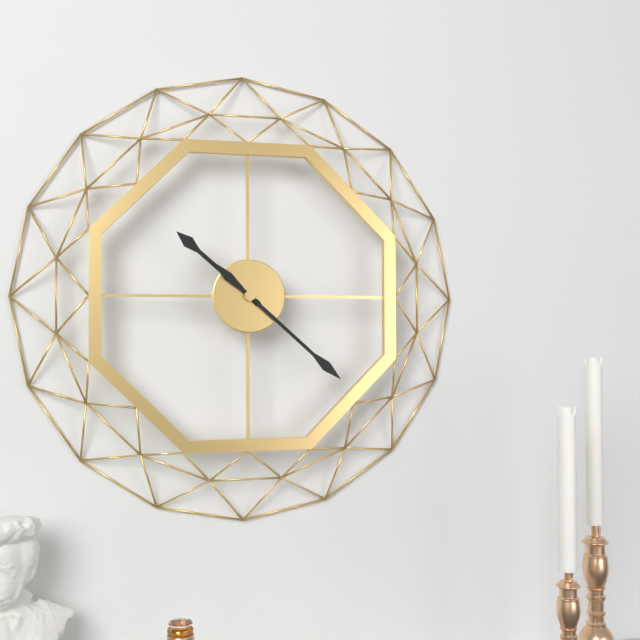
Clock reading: {"hour": 10, "minute": 22}
